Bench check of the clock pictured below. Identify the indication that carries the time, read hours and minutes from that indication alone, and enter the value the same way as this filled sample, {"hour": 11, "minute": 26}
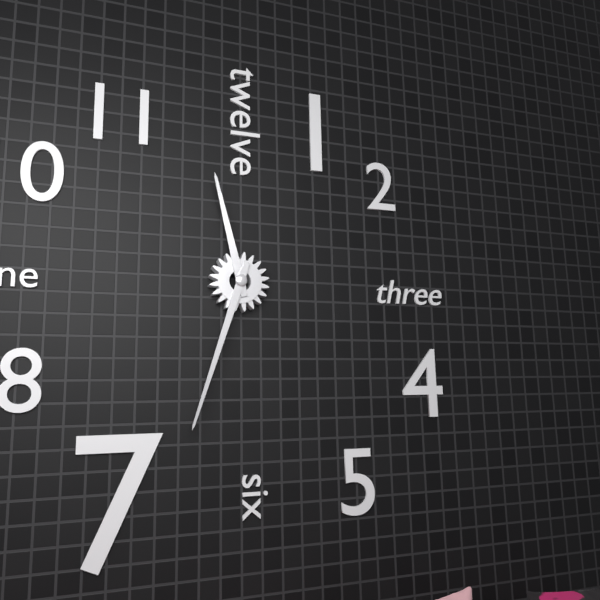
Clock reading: {"hour": 11, "minute": 33}
